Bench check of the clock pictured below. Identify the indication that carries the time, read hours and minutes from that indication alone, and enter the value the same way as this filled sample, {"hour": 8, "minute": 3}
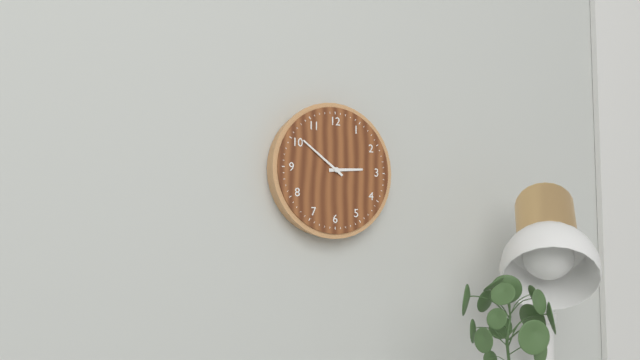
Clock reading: {"hour": 2, "minute": 51}
